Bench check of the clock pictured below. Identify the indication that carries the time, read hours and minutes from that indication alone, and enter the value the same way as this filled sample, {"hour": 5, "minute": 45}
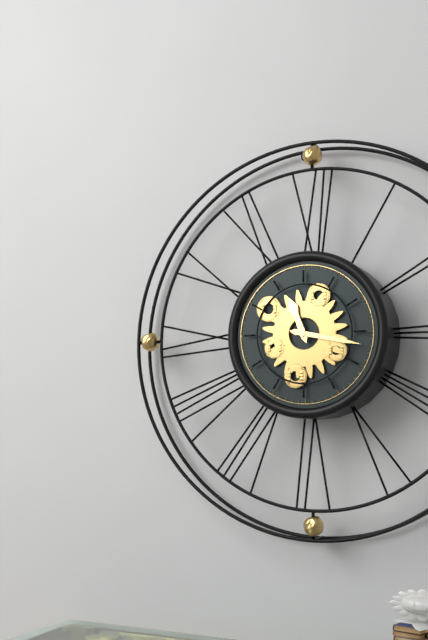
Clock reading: {"hour": 11, "minute": 17}
